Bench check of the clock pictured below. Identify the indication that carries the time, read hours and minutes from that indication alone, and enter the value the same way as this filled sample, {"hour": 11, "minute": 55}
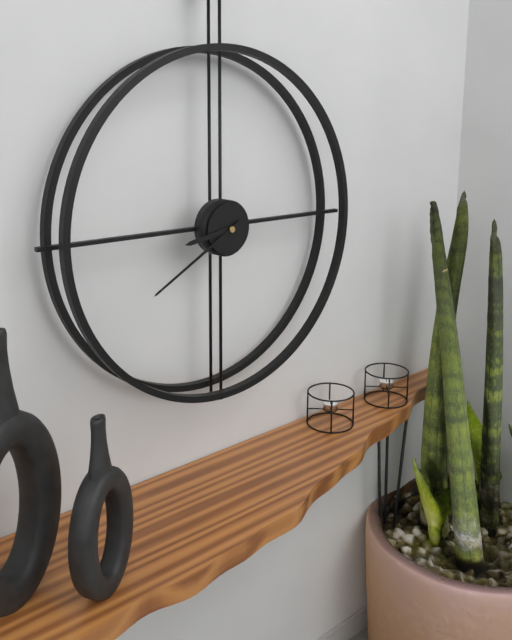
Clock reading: {"hour": 8, "minute": 40}
